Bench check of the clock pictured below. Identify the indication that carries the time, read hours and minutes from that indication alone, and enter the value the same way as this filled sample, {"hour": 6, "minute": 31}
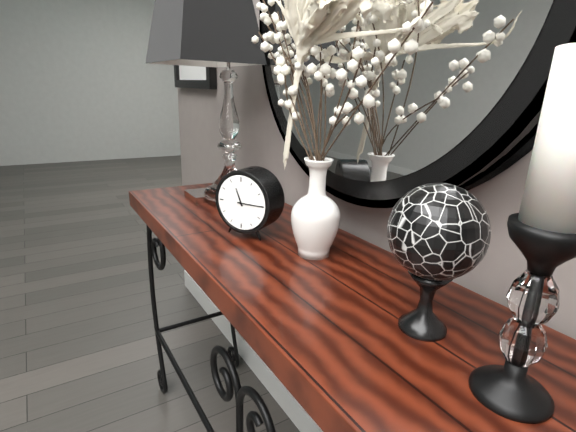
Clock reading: {"hour": 11, "minute": 15}
